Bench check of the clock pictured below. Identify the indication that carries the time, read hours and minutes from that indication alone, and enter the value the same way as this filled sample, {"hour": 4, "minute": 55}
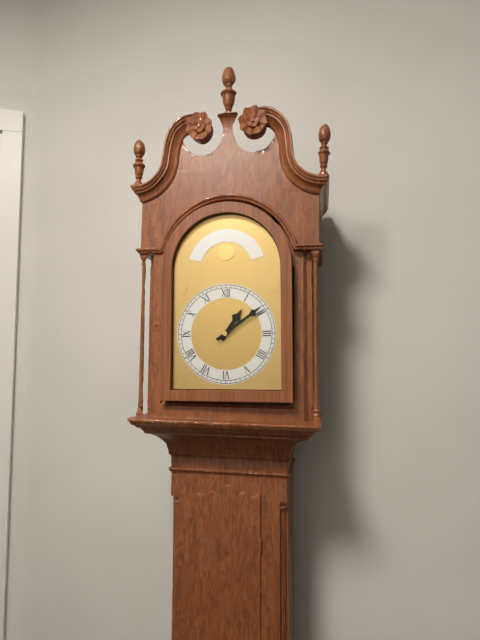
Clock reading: {"hour": 1, "minute": 9}
